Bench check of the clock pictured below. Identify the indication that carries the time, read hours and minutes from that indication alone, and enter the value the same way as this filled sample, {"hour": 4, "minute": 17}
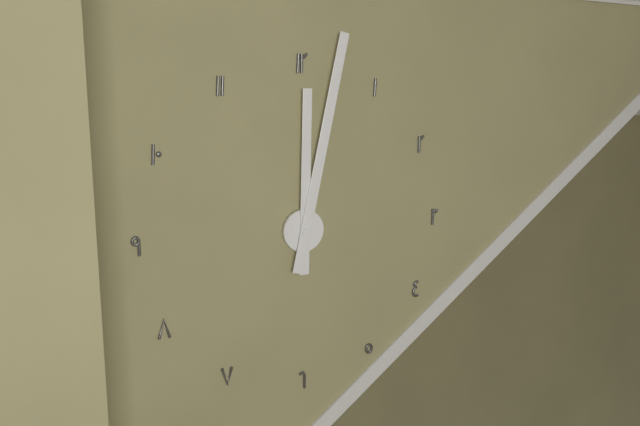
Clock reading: {"hour": 12, "minute": 2}
